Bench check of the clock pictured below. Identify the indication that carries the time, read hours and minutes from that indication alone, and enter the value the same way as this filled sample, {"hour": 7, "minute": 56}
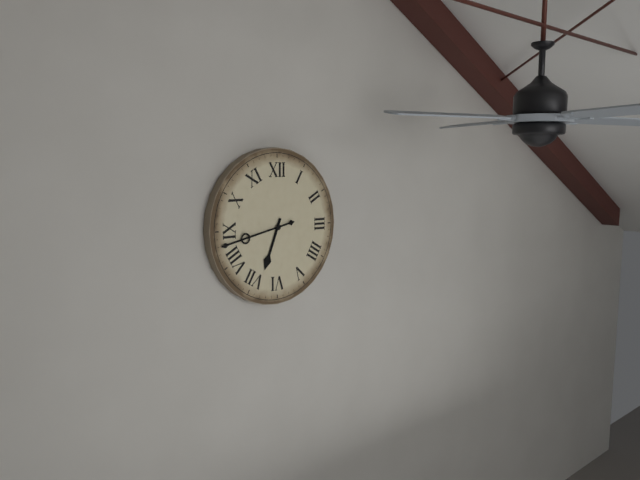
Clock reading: {"hour": 6, "minute": 43}
